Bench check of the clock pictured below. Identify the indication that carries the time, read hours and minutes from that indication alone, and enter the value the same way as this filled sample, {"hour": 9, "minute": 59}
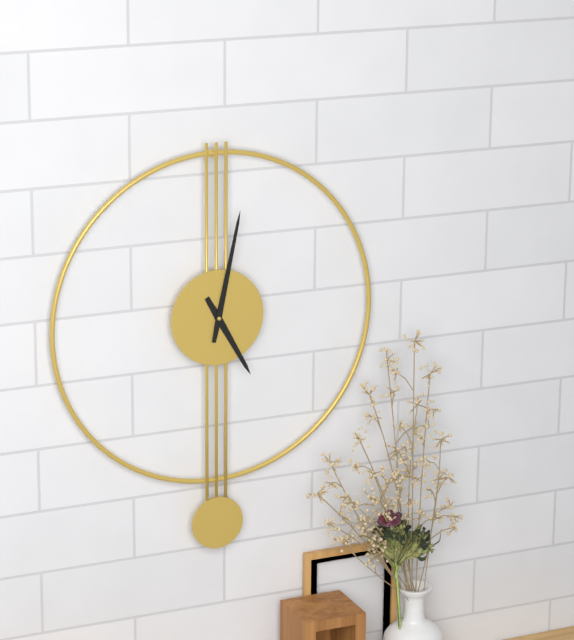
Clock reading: {"hour": 5, "minute": 2}
